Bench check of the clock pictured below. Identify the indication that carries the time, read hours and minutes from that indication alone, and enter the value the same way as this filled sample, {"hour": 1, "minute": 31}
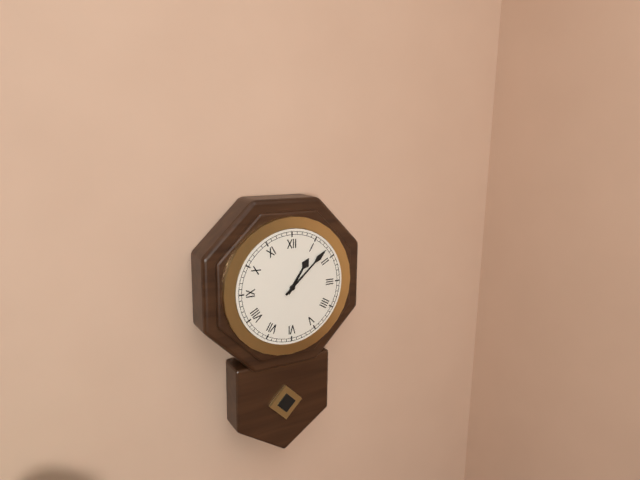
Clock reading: {"hour": 1, "minute": 8}
